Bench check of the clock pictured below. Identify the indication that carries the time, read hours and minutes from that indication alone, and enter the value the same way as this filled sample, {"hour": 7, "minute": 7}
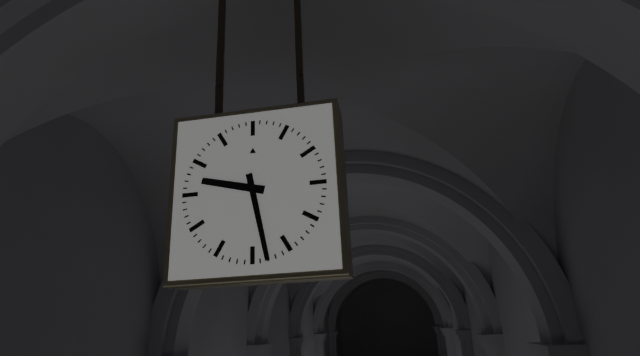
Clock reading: {"hour": 9, "minute": 28}
